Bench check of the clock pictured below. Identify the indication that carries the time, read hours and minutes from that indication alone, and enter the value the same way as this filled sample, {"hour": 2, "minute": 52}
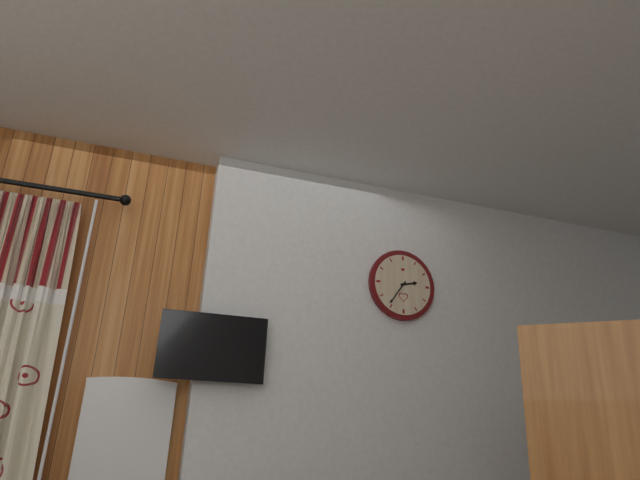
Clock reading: {"hour": 2, "minute": 36}
